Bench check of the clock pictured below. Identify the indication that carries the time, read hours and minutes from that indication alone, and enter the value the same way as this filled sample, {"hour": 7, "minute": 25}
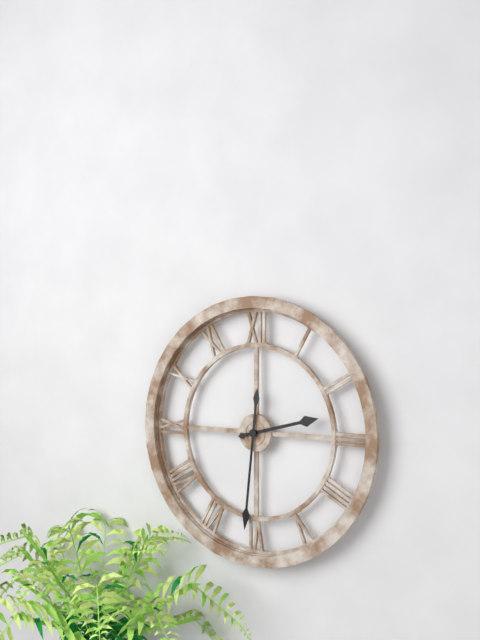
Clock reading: {"hour": 2, "minute": 31}
